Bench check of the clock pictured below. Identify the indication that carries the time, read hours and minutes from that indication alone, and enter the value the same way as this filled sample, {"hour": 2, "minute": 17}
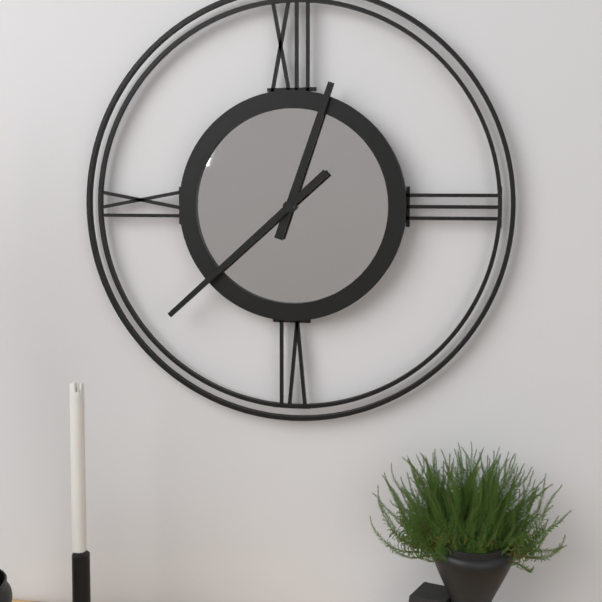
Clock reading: {"hour": 12, "minute": 38}
